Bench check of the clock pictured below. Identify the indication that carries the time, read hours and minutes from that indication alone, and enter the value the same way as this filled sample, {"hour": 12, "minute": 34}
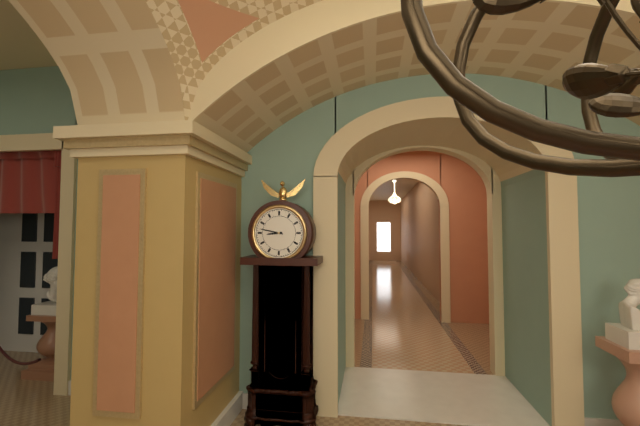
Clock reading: {"hour": 8, "minute": 47}
